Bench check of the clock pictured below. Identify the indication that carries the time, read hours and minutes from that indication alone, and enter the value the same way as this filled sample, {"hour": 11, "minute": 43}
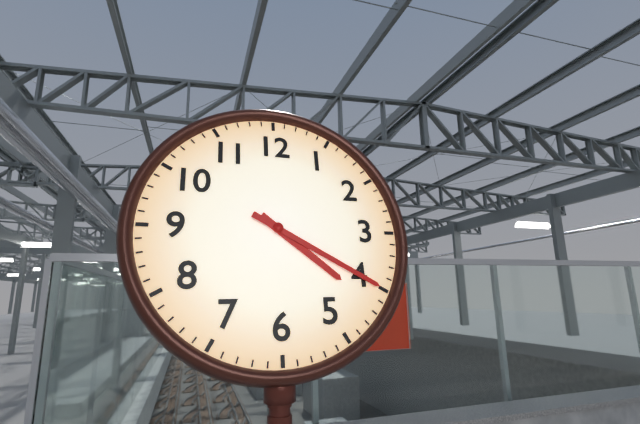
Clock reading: {"hour": 4, "minute": 20}
